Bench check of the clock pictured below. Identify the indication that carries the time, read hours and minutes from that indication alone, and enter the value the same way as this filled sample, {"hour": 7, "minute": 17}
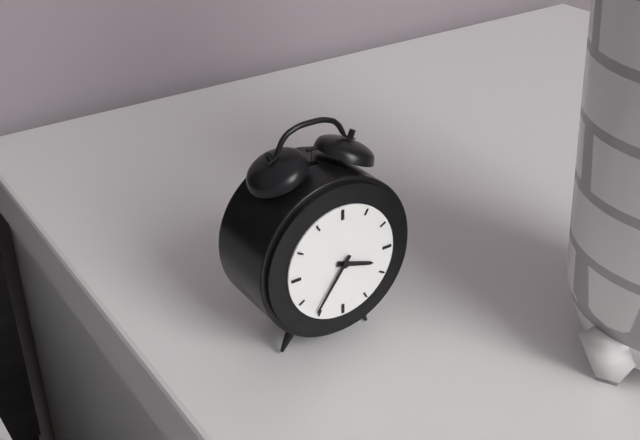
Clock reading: {"hour": 3, "minute": 36}
